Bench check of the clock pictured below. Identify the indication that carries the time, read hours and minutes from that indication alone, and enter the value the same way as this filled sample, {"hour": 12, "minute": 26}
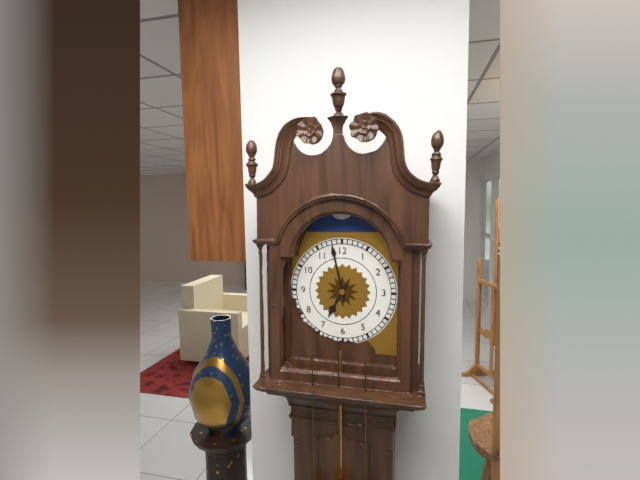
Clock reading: {"hour": 6, "minute": 58}
